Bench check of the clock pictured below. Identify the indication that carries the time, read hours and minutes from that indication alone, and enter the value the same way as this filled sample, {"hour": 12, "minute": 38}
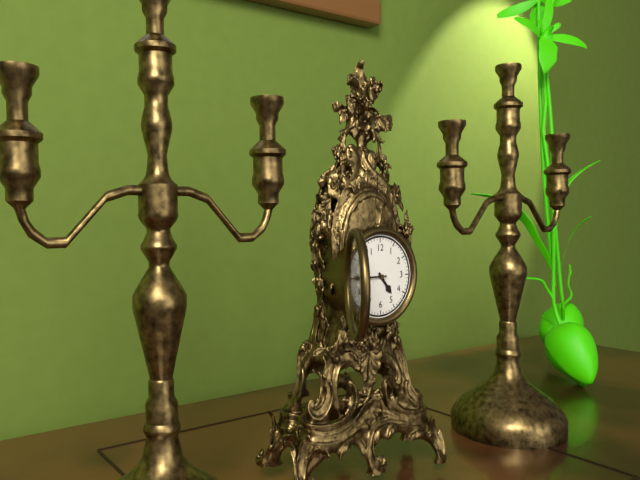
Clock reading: {"hour": 4, "minute": 45}
